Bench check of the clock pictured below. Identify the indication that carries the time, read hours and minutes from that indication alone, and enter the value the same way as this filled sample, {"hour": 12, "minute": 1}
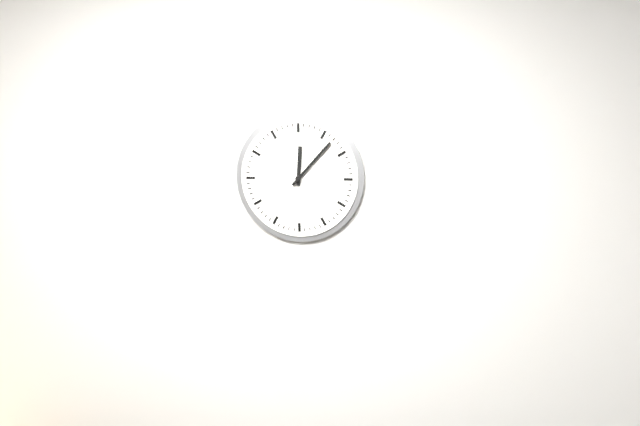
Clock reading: {"hour": 12, "minute": 7}
